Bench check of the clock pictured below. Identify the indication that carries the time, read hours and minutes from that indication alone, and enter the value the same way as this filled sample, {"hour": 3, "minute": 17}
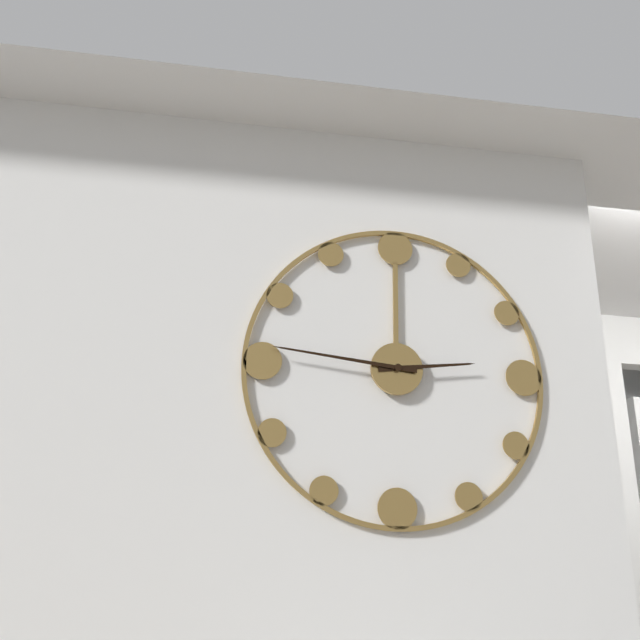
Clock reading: {"hour": 2, "minute": 46}
